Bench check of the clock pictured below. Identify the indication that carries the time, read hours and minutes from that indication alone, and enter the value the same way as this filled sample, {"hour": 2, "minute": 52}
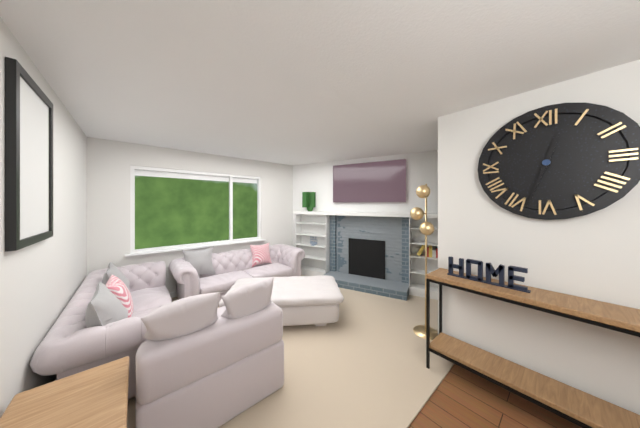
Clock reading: {"hour": 12, "minute": 33}
